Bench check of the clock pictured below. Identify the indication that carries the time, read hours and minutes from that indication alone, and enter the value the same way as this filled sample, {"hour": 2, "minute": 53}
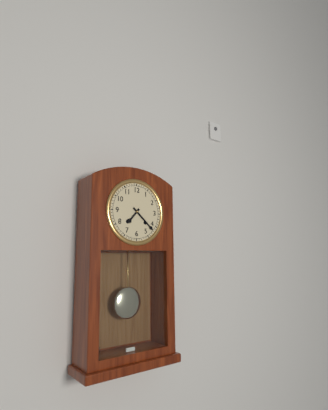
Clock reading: {"hour": 7, "minute": 22}
